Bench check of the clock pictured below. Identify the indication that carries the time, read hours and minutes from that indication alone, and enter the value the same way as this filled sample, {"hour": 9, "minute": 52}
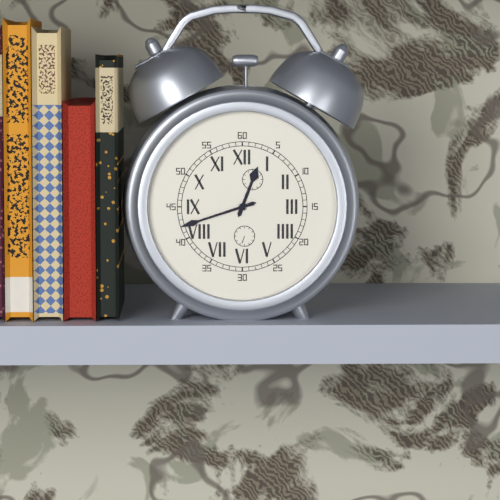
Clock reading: {"hour": 12, "minute": 42}
